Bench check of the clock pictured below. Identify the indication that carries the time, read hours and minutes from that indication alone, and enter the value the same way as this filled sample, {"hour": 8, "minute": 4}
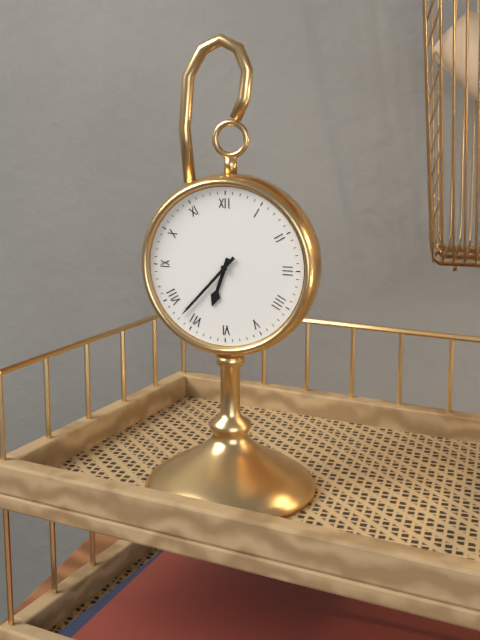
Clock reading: {"hour": 6, "minute": 37}
